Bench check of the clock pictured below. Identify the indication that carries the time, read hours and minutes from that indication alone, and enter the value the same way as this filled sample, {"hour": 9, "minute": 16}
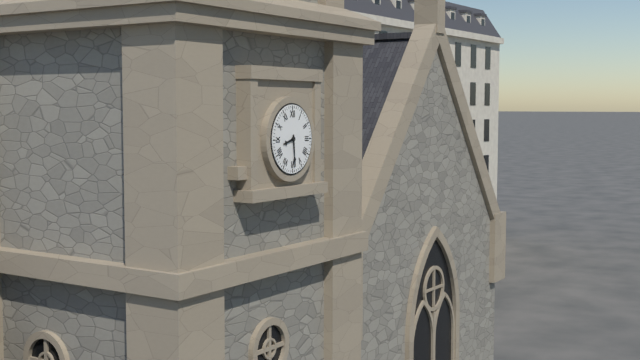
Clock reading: {"hour": 8, "minute": 29}
